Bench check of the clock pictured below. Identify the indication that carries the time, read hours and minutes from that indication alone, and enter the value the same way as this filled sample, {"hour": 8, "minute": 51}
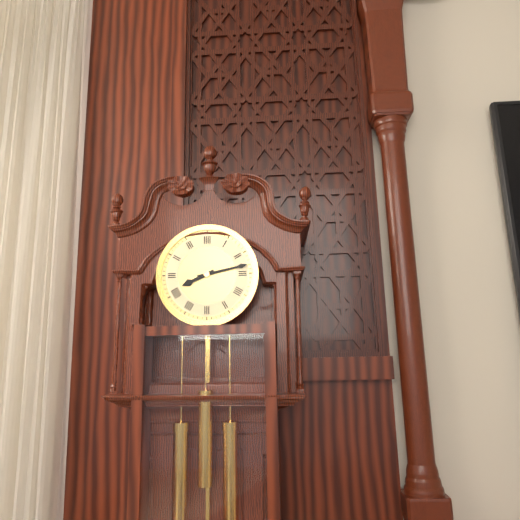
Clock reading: {"hour": 8, "minute": 13}
